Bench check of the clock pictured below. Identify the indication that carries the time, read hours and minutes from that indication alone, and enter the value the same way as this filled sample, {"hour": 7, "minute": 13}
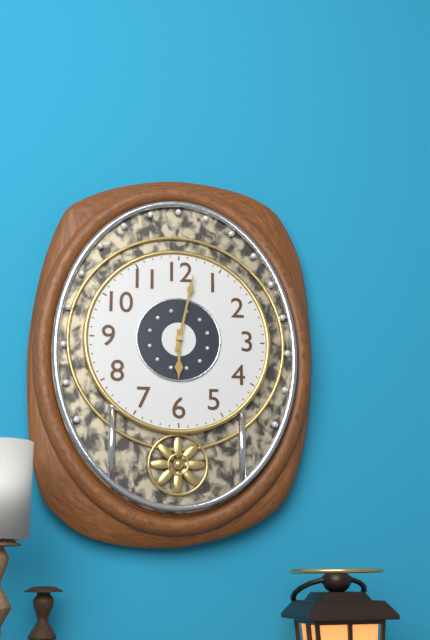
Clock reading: {"hour": 6, "minute": 2}
